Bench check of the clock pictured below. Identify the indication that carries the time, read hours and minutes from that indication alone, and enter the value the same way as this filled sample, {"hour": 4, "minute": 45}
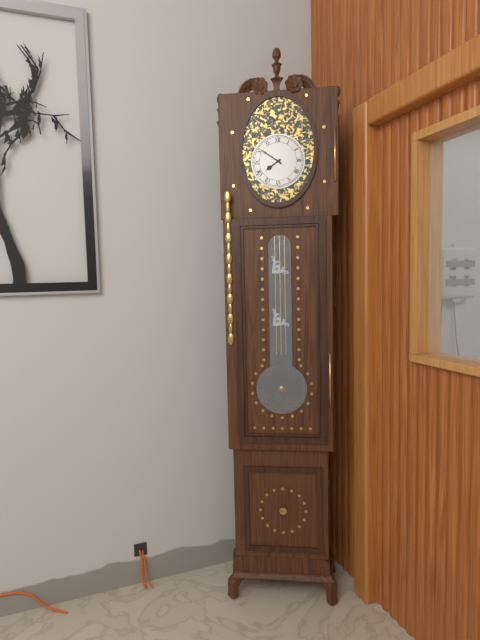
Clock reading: {"hour": 7, "minute": 51}
